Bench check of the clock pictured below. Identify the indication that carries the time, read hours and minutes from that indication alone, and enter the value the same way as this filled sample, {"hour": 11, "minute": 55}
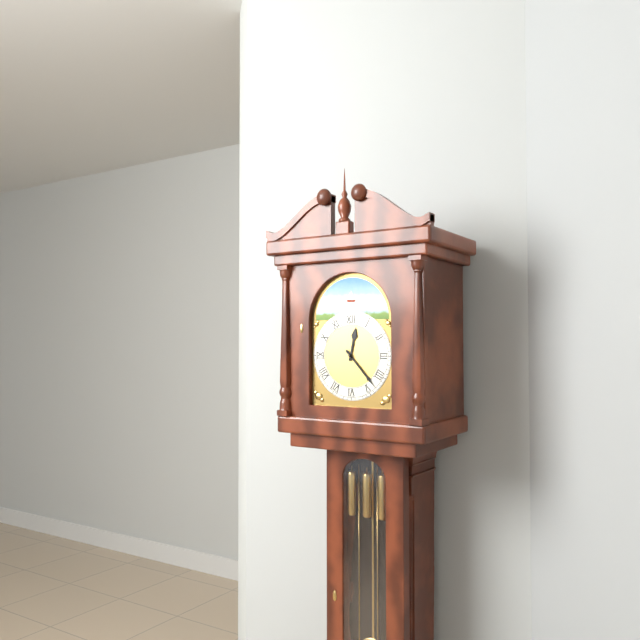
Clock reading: {"hour": 12, "minute": 23}
